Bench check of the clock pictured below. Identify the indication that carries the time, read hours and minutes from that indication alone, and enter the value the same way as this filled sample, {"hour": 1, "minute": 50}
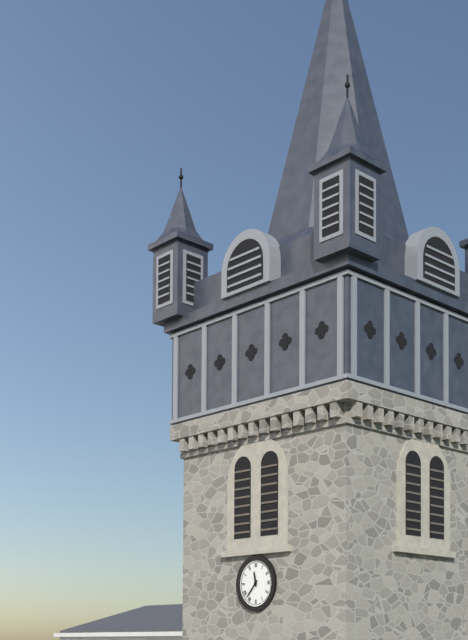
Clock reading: {"hour": 11, "minute": 37}
